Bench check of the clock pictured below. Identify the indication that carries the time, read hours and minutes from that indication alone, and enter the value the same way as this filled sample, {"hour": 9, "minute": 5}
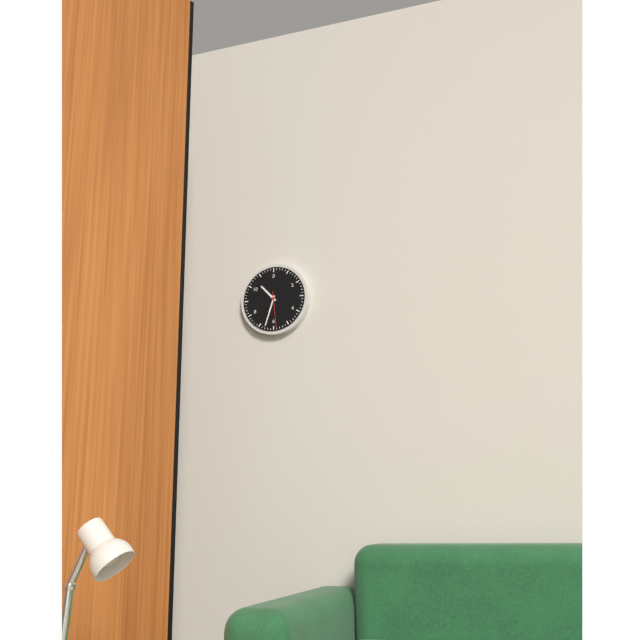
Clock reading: {"hour": 10, "minute": 33}
